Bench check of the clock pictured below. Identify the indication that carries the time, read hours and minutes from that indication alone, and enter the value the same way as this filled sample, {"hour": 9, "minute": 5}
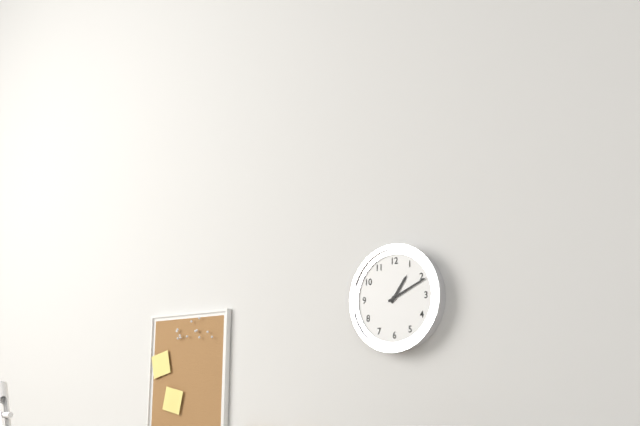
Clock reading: {"hour": 1, "minute": 11}
